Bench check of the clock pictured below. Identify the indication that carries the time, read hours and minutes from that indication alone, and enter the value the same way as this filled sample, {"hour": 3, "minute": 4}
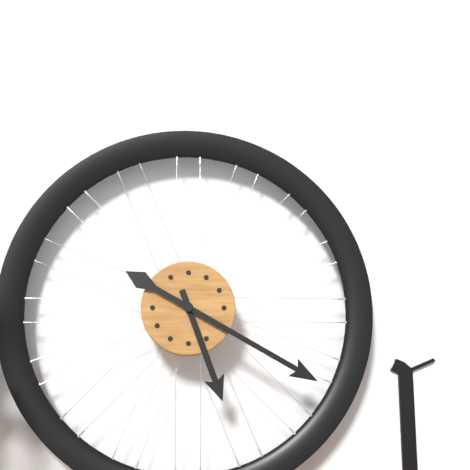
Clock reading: {"hour": 5, "minute": 20}
